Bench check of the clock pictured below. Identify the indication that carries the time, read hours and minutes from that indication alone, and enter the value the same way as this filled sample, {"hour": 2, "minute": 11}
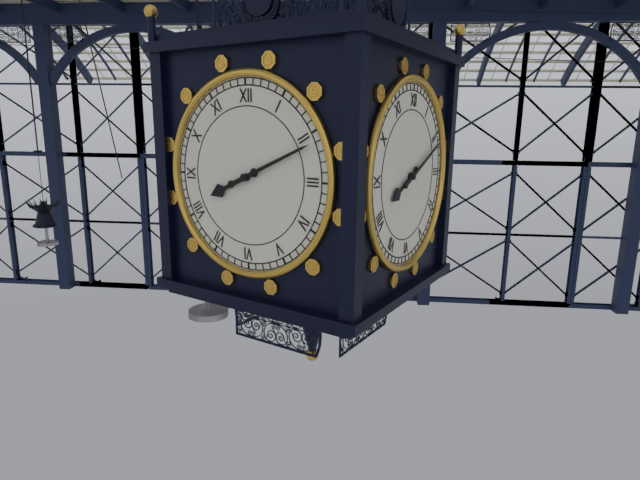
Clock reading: {"hour": 8, "minute": 11}
